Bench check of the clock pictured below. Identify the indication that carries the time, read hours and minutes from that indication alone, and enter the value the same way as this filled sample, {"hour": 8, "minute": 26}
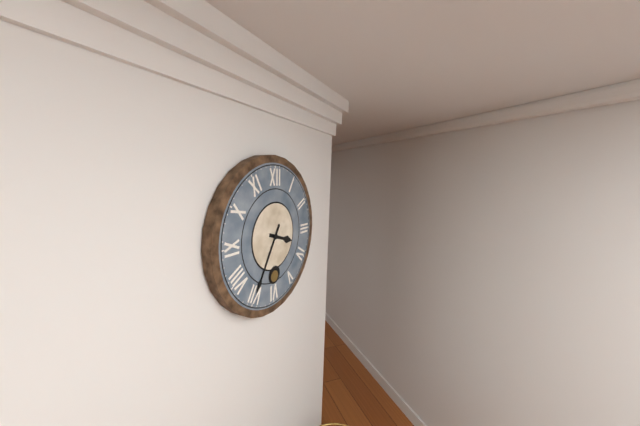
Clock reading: {"hour": 3, "minute": 35}
